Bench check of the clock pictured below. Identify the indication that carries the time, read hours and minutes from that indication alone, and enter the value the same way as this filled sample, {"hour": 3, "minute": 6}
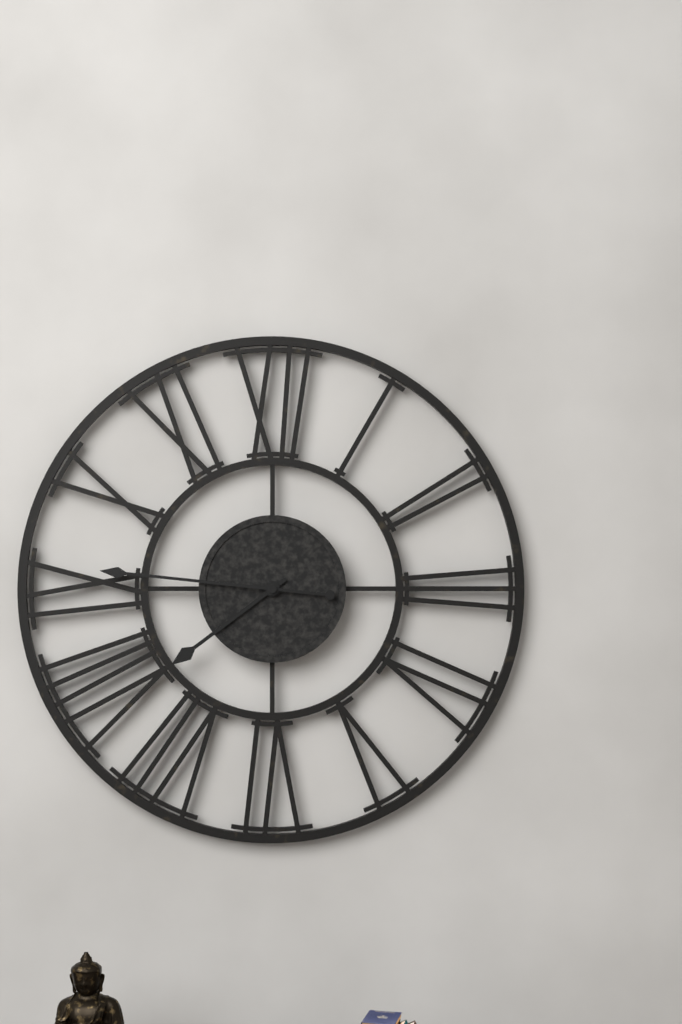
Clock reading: {"hour": 7, "minute": 46}
